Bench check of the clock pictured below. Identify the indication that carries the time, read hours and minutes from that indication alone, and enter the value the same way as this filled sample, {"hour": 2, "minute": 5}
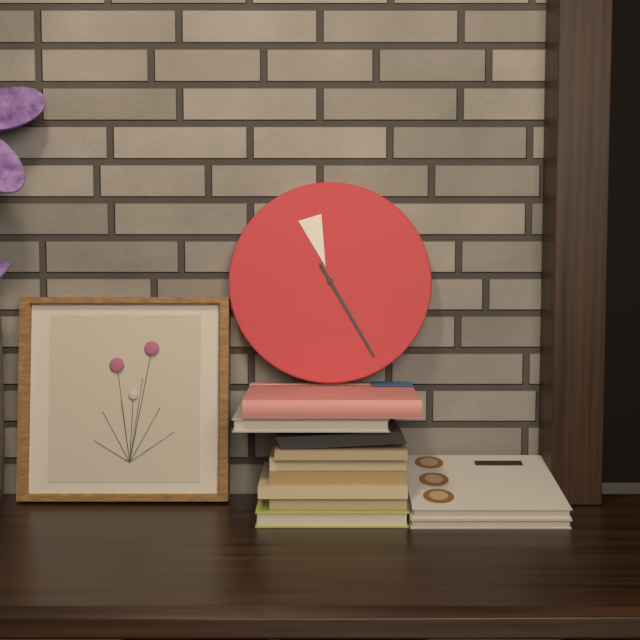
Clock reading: {"hour": 11, "minute": 25}
